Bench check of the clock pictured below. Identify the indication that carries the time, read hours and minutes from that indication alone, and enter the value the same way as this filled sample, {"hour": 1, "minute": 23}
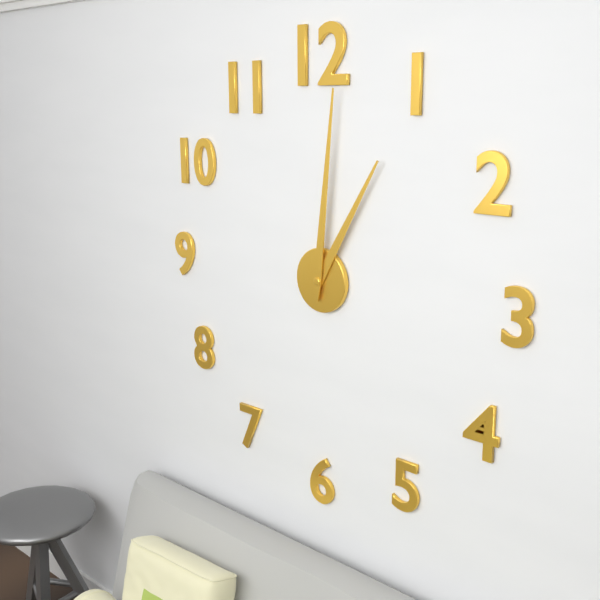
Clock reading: {"hour": 1, "minute": 1}
